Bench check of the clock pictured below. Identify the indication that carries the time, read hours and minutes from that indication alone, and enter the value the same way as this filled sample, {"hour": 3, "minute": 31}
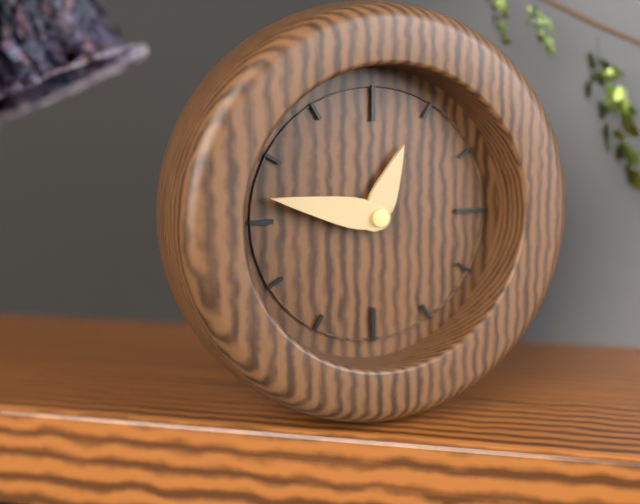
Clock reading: {"hour": 12, "minute": 47}
